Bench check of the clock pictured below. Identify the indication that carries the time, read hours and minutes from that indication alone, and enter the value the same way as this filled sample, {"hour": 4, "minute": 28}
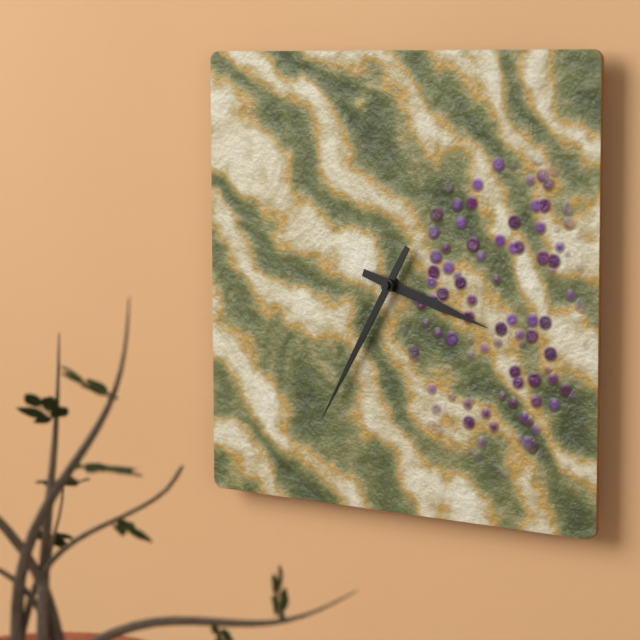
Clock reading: {"hour": 3, "minute": 35}
